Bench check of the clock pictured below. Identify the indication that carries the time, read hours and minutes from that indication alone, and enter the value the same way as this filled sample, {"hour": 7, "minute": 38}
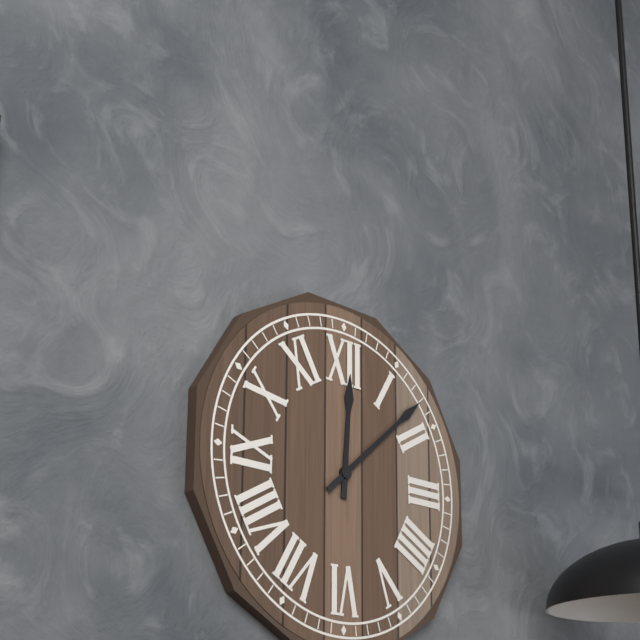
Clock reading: {"hour": 12, "minute": 8}
